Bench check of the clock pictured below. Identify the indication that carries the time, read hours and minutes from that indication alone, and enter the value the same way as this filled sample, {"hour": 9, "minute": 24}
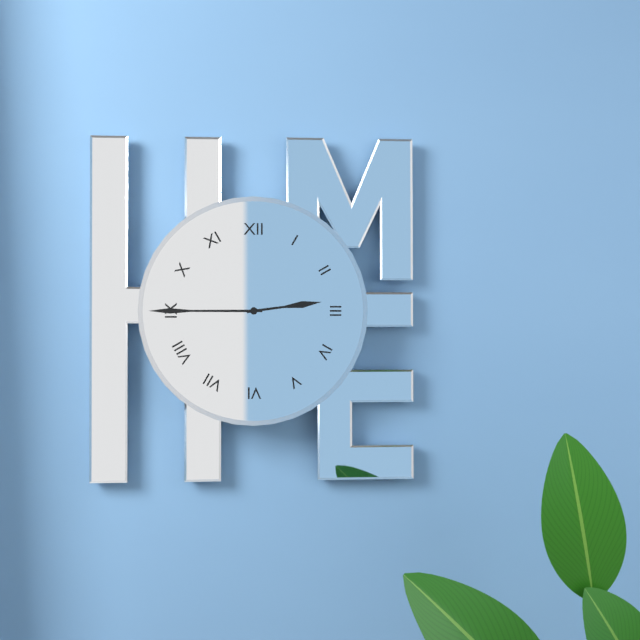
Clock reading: {"hour": 2, "minute": 45}
